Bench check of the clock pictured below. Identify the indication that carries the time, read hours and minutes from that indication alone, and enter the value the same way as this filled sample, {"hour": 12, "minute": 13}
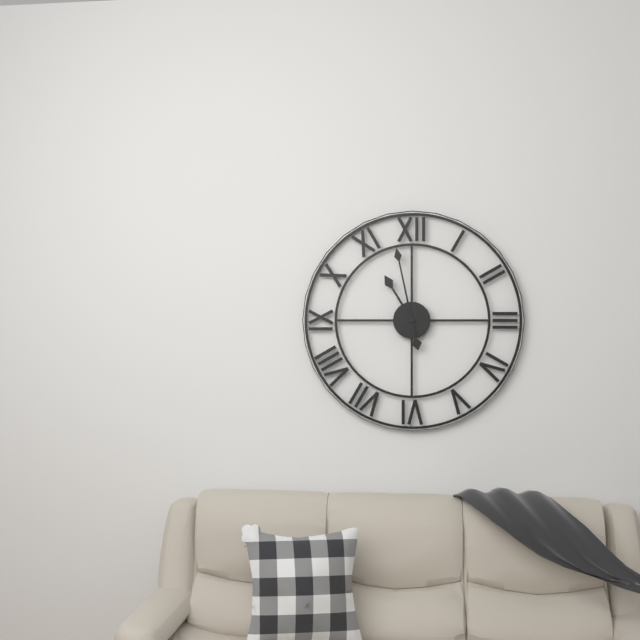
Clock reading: {"hour": 10, "minute": 58}
